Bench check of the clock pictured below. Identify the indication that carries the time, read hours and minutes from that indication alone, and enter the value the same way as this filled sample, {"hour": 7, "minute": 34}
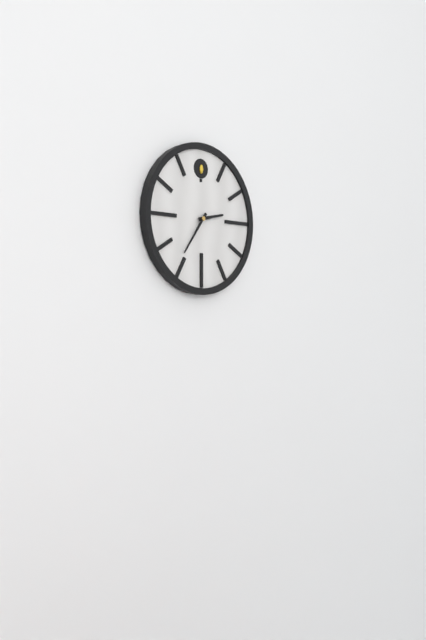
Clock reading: {"hour": 2, "minute": 36}
